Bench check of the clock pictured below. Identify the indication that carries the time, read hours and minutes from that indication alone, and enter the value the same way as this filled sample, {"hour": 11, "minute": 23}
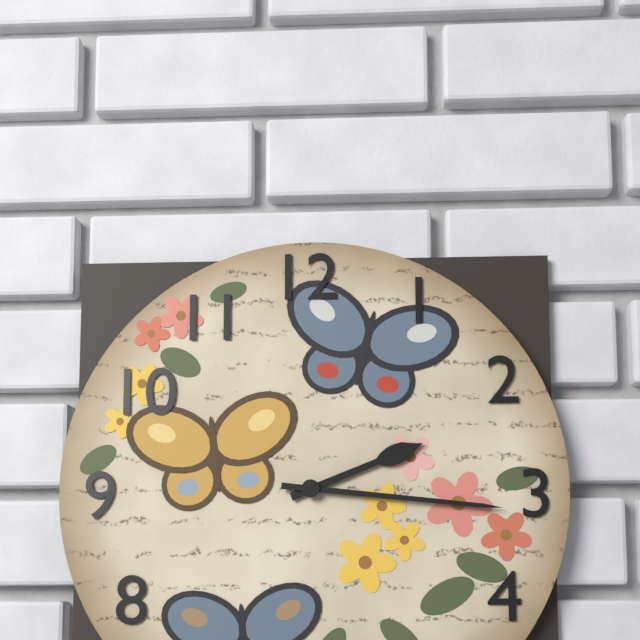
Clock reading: {"hour": 2, "minute": 16}
